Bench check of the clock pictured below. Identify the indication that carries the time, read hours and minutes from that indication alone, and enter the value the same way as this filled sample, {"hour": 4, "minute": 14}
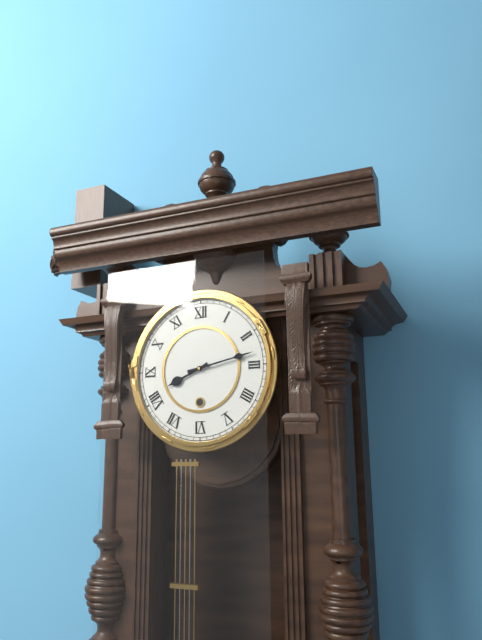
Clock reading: {"hour": 8, "minute": 13}
